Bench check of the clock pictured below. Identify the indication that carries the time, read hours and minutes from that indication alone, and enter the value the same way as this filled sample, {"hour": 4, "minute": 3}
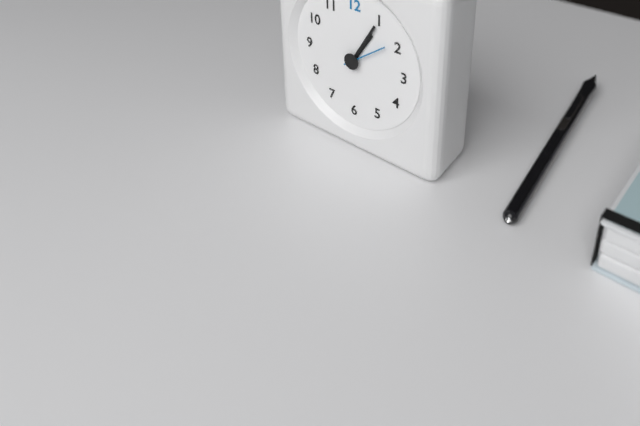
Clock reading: {"hour": 1, "minute": 5}
